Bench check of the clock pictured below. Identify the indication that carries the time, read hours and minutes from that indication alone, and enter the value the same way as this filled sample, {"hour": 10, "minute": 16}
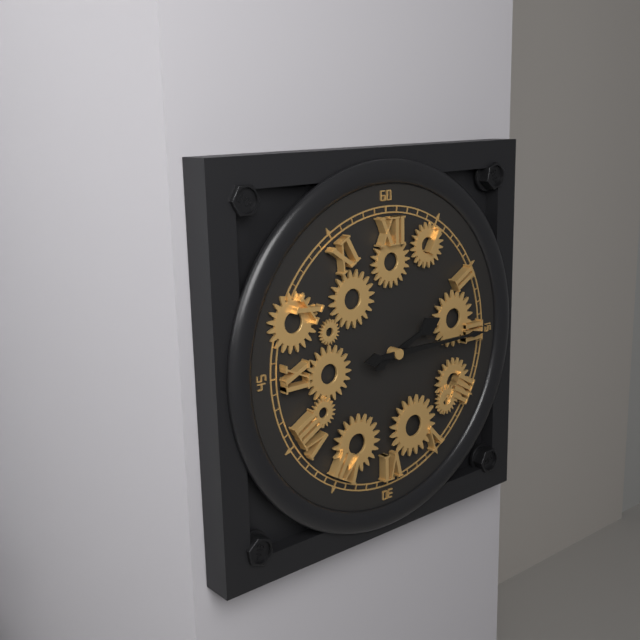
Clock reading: {"hour": 2, "minute": 15}
